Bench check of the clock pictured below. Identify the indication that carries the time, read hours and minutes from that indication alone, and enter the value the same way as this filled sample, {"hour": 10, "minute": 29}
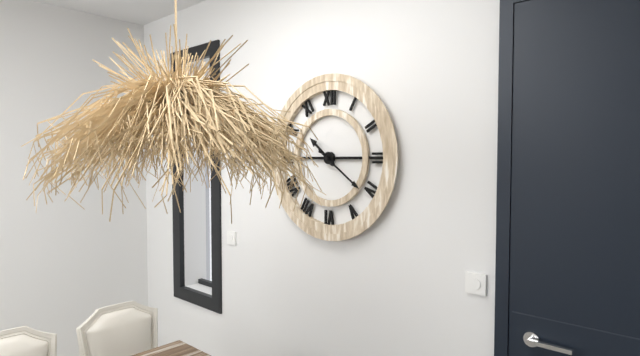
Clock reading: {"hour": 10, "minute": 21}
